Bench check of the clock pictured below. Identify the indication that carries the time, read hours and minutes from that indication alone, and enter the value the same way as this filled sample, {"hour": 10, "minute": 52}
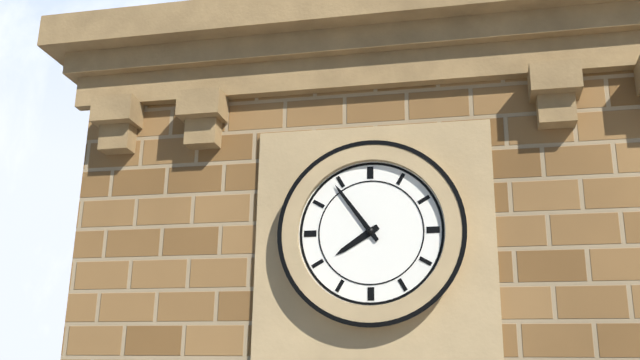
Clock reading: {"hour": 7, "minute": 54}
